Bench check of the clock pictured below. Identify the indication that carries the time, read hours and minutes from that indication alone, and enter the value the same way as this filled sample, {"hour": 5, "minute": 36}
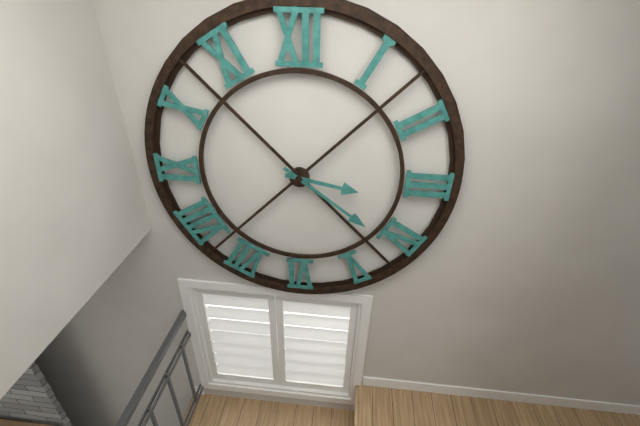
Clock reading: {"hour": 3, "minute": 21}
